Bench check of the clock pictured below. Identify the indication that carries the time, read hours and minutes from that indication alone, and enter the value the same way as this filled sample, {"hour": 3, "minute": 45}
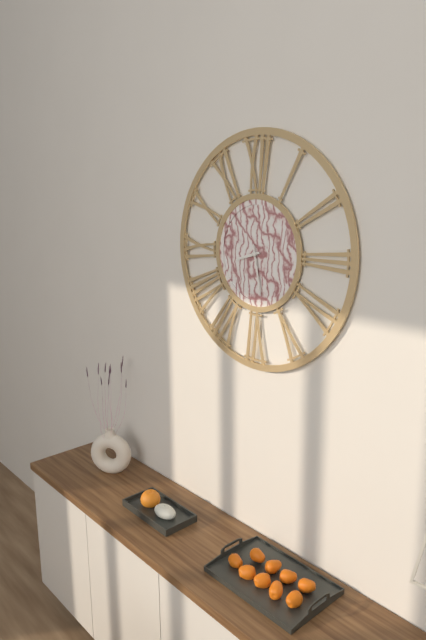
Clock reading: {"hour": 8, "minute": 28}
